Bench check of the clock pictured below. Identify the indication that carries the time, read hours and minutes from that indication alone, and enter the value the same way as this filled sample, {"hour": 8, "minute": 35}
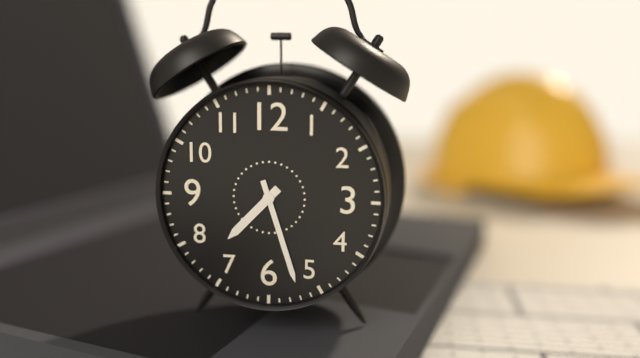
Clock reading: {"hour": 7, "minute": 27}
